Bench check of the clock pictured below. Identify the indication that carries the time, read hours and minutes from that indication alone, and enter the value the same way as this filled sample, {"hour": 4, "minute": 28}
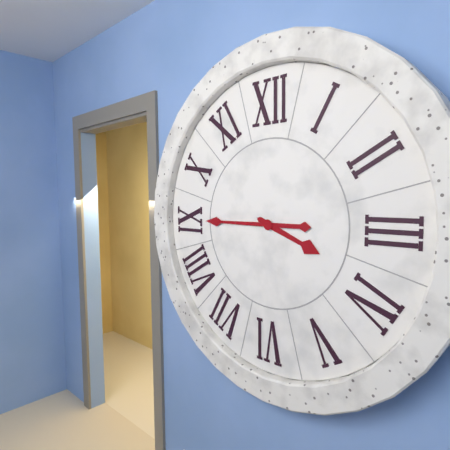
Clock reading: {"hour": 3, "minute": 45}
